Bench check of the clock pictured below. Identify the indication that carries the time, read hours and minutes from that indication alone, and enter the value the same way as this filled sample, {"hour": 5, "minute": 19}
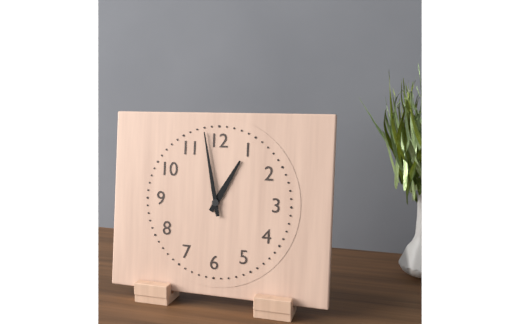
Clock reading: {"hour": 12, "minute": 58}
